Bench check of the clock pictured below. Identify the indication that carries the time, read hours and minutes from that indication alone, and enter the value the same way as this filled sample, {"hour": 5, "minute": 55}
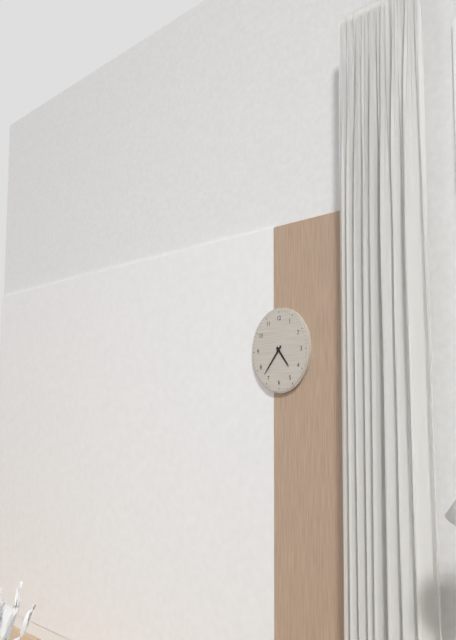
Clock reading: {"hour": 4, "minute": 37}
